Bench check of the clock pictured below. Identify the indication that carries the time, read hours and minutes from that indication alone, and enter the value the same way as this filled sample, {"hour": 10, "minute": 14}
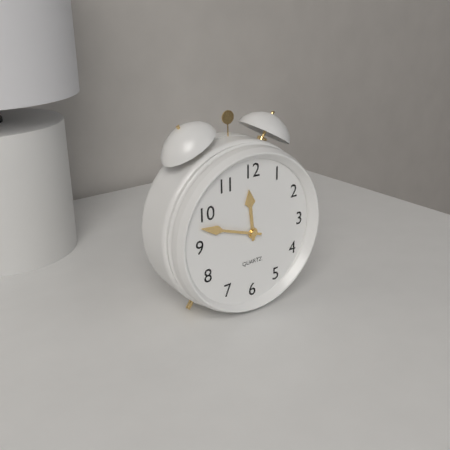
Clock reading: {"hour": 11, "minute": 48}
